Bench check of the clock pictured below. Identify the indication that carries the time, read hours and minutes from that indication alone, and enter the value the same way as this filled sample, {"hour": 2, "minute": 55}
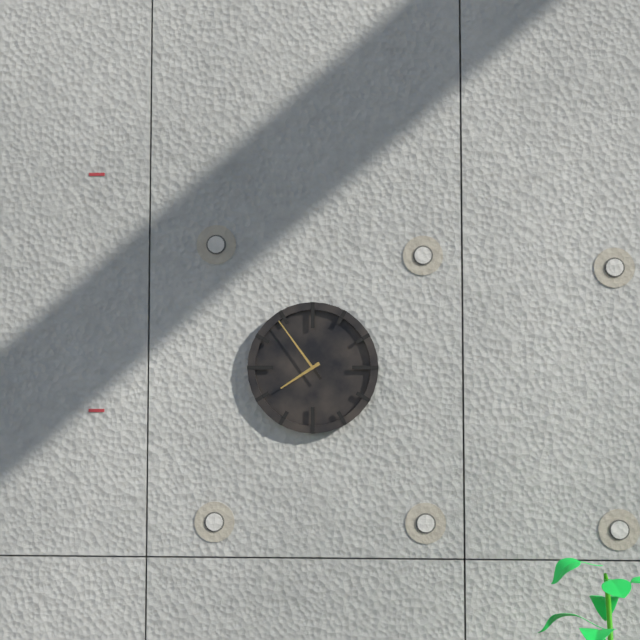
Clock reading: {"hour": 7, "minute": 54}
